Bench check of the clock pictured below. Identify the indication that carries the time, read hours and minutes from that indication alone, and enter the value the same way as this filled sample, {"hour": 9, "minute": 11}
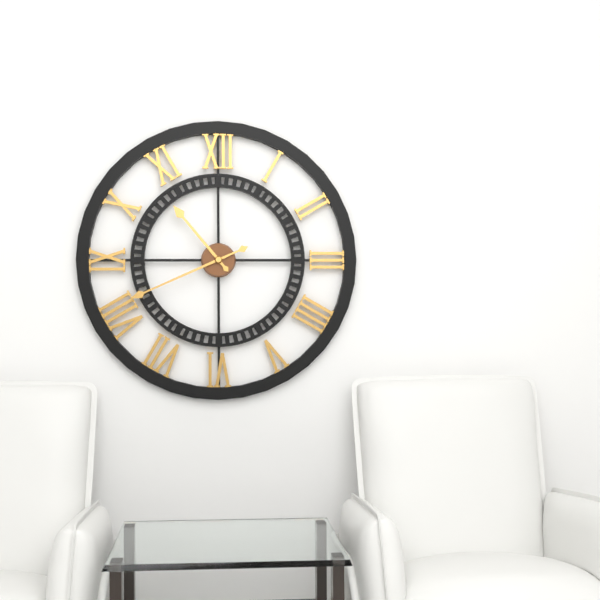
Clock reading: {"hour": 10, "minute": 41}
